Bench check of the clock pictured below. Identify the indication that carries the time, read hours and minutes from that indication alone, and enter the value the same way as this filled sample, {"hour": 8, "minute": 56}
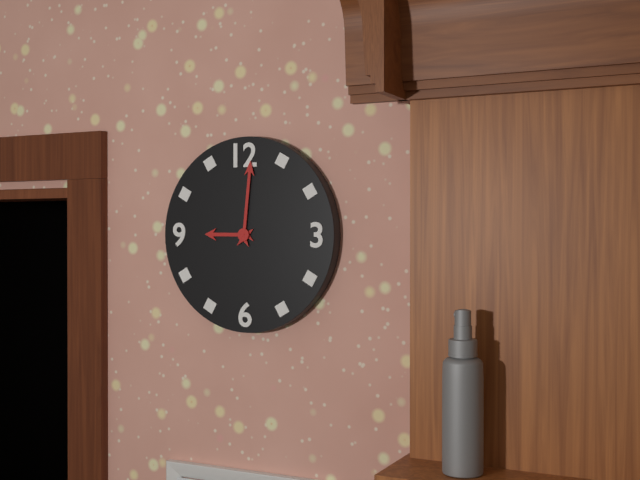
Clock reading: {"hour": 9, "minute": 1}
